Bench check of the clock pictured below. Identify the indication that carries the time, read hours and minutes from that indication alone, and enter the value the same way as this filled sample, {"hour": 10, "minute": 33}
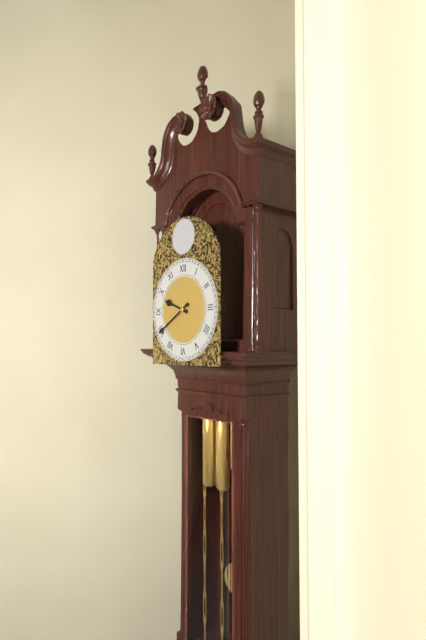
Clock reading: {"hour": 9, "minute": 40}
